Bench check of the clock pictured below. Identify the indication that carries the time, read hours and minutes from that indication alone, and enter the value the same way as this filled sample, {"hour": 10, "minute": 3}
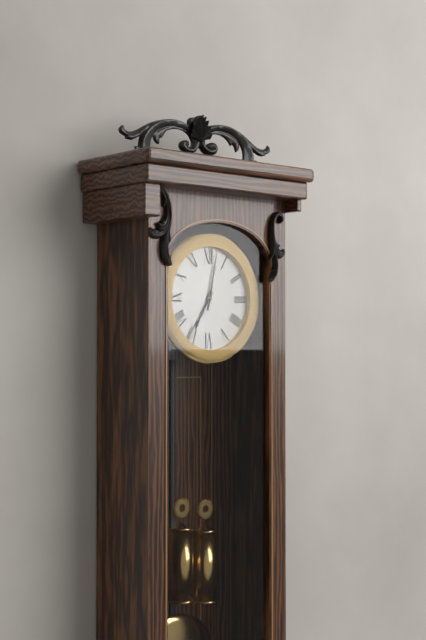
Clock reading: {"hour": 7, "minute": 2}
